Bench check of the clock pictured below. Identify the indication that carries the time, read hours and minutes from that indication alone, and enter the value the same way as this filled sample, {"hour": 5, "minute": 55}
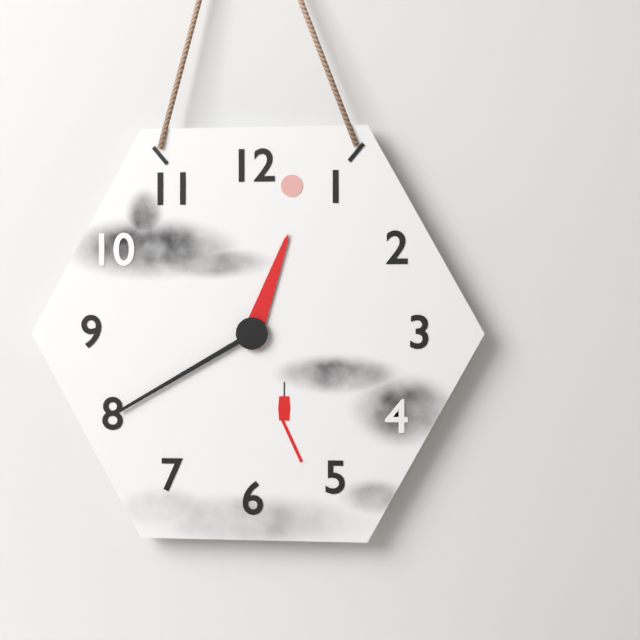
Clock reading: {"hour": 12, "minute": 40}
